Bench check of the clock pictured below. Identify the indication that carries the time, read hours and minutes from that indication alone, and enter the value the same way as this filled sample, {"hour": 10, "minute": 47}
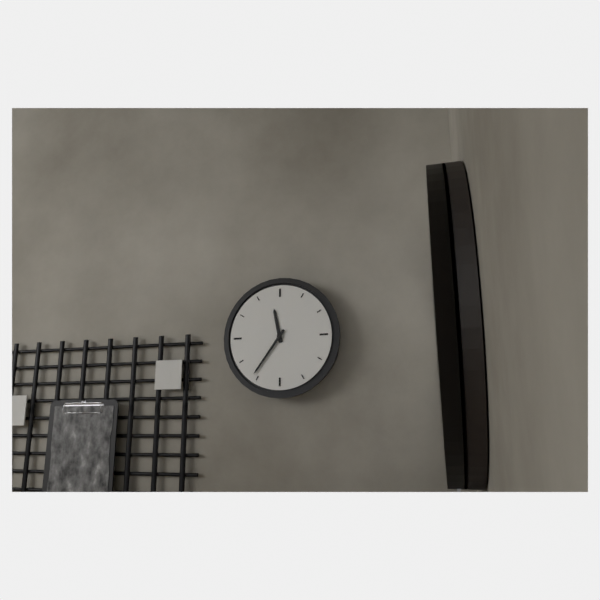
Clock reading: {"hour": 11, "minute": 36}
